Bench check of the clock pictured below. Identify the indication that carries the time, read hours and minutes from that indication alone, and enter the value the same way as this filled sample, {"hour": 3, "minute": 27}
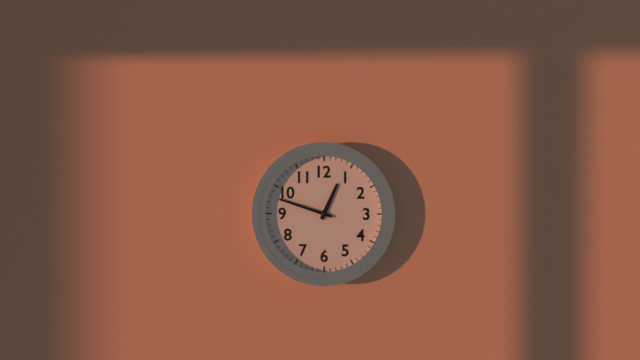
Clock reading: {"hour": 12, "minute": 48}
